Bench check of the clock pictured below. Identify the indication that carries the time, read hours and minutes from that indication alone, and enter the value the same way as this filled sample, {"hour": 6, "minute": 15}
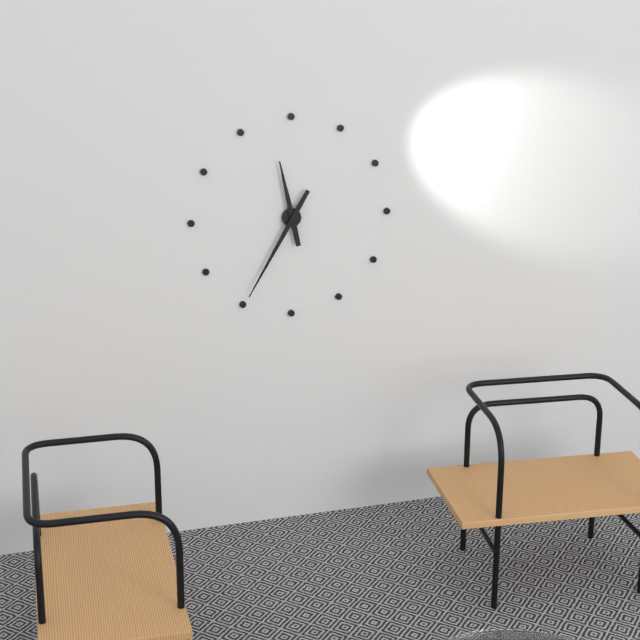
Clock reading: {"hour": 11, "minute": 35}
